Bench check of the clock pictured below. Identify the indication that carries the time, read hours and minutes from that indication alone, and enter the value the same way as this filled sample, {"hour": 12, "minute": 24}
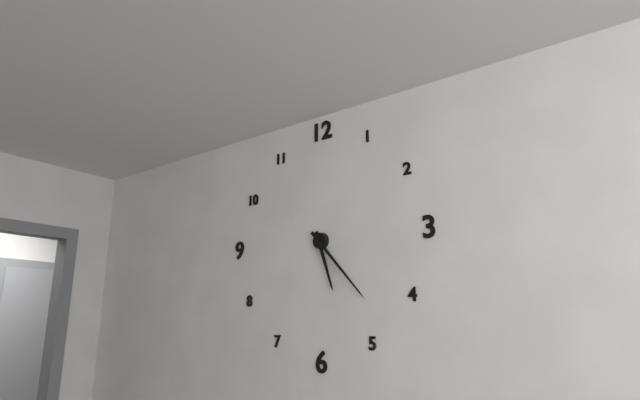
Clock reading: {"hour": 5, "minute": 23}
